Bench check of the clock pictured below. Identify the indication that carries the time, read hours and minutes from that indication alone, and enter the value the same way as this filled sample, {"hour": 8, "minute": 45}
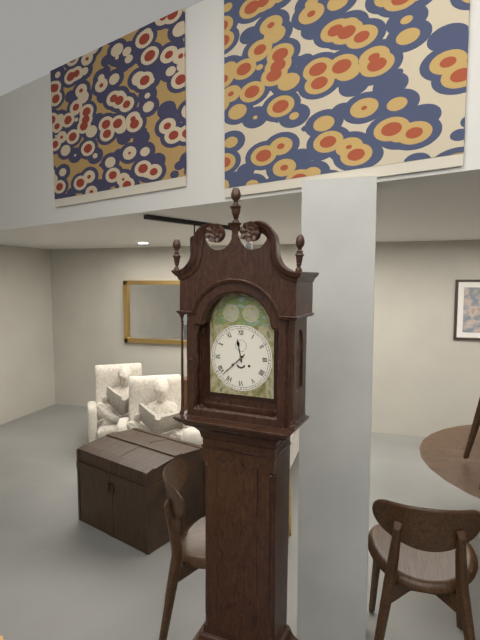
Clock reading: {"hour": 11, "minute": 38}
